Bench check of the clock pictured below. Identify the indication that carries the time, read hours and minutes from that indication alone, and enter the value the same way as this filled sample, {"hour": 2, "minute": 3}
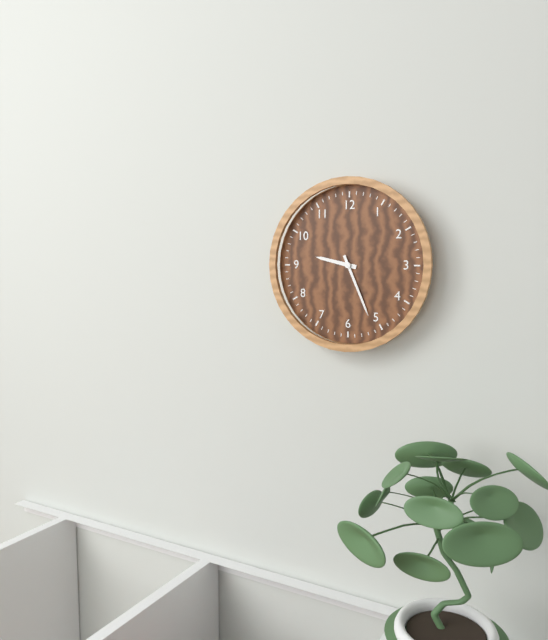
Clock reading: {"hour": 9, "minute": 26}
